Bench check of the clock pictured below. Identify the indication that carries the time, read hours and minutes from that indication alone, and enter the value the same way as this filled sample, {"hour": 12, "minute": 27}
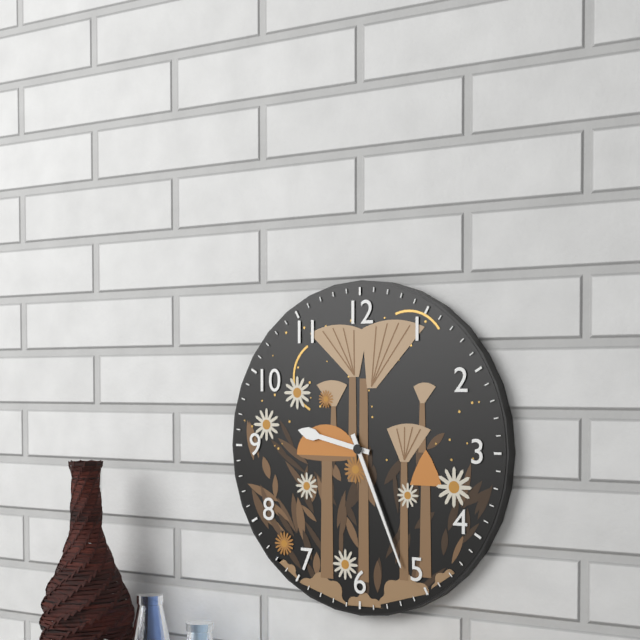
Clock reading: {"hour": 9, "minute": 26}
